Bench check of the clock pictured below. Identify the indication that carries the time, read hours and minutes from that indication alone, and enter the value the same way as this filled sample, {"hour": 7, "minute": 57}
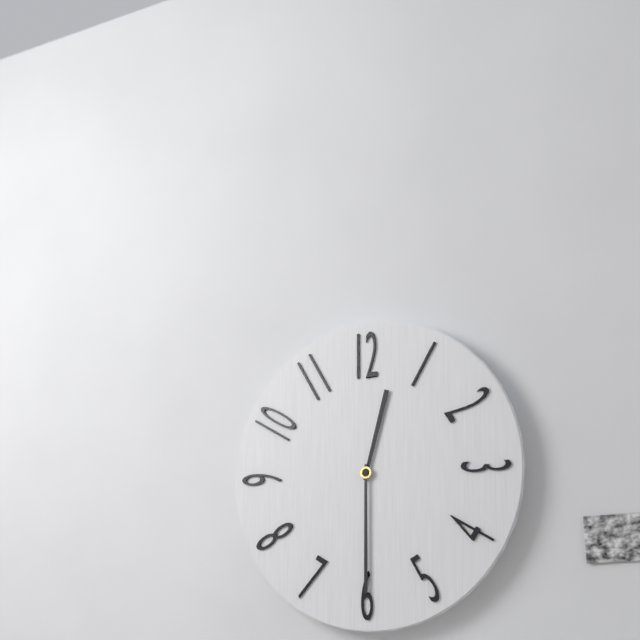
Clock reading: {"hour": 12, "minute": 30}
